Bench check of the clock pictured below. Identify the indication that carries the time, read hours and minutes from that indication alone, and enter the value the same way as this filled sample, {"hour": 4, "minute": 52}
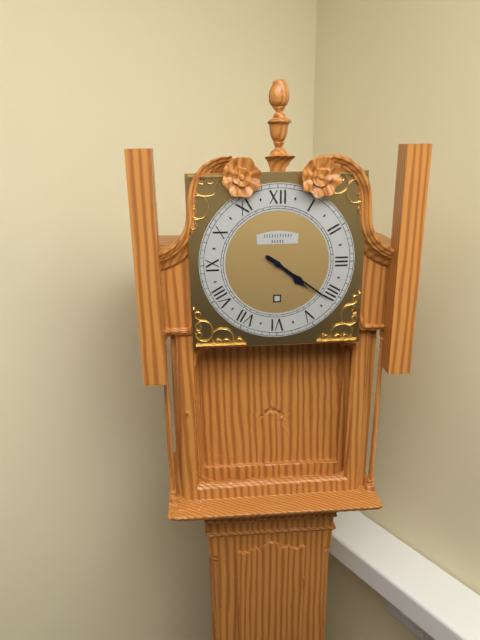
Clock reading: {"hour": 4, "minute": 21}
